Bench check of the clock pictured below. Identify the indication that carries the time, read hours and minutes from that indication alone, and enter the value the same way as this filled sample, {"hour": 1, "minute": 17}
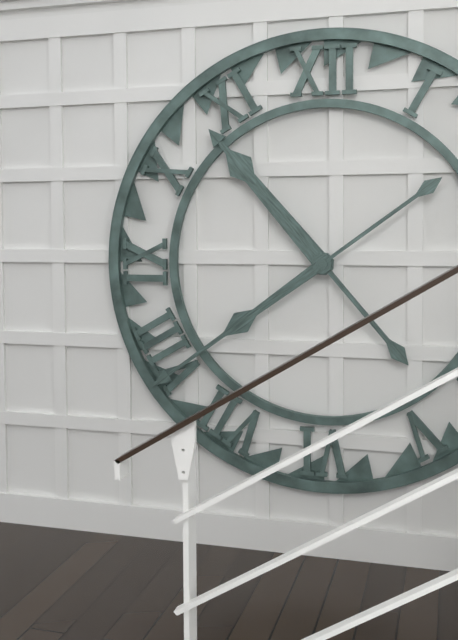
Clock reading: {"hour": 10, "minute": 39}
